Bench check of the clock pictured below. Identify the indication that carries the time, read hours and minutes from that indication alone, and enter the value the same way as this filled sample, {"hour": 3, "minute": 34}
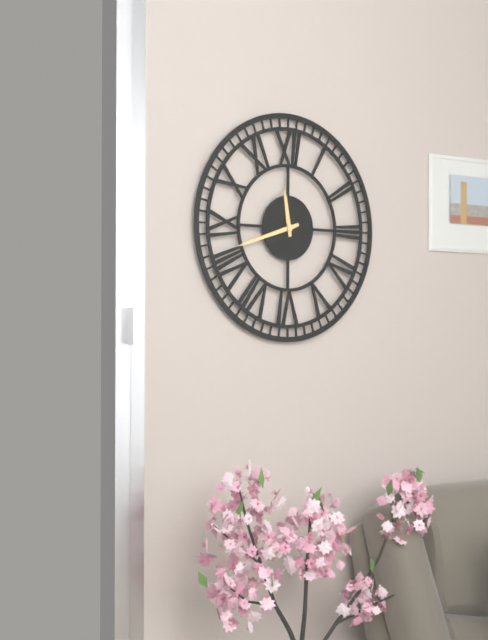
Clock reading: {"hour": 11, "minute": 42}
